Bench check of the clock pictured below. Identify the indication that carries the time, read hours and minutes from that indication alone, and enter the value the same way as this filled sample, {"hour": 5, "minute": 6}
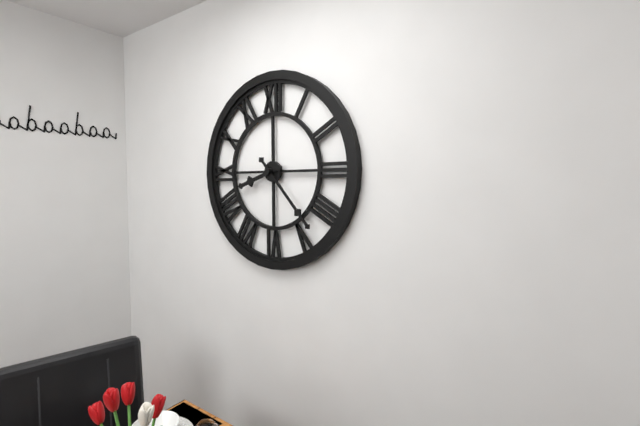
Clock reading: {"hour": 8, "minute": 23}
